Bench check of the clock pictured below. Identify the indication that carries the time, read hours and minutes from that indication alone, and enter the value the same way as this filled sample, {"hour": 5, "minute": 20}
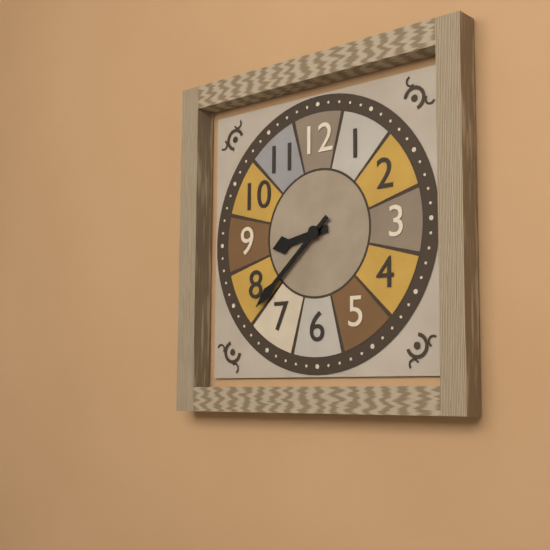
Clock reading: {"hour": 8, "minute": 38}
